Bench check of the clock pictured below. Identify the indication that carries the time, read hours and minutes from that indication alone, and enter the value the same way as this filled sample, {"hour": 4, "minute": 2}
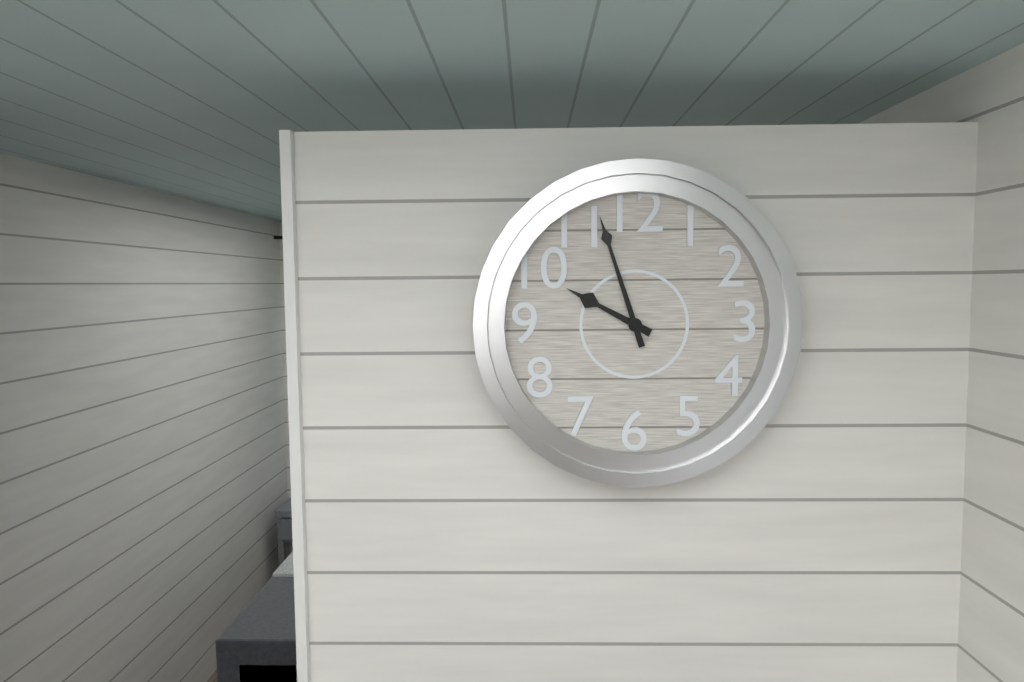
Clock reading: {"hour": 9, "minute": 57}
